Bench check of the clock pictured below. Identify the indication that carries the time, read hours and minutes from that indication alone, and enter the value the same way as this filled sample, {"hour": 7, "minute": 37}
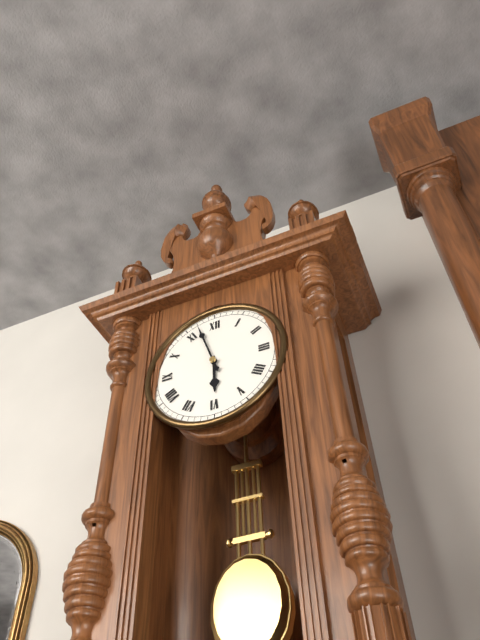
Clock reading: {"hour": 5, "minute": 57}
